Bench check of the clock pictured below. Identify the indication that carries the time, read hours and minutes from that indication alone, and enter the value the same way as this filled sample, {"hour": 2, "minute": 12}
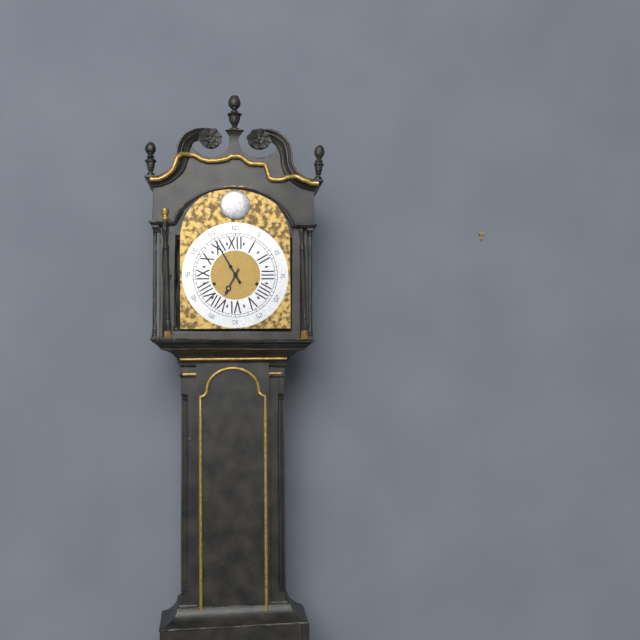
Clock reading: {"hour": 6, "minute": 55}
